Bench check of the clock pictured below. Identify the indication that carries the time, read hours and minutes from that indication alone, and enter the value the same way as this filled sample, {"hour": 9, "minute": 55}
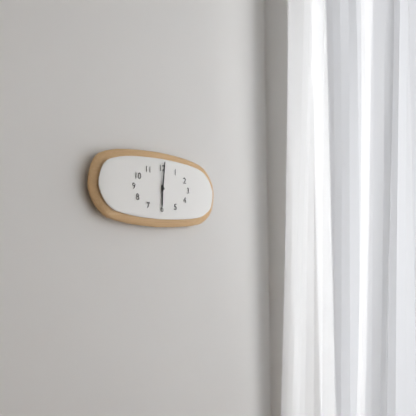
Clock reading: {"hour": 6, "minute": 1}
